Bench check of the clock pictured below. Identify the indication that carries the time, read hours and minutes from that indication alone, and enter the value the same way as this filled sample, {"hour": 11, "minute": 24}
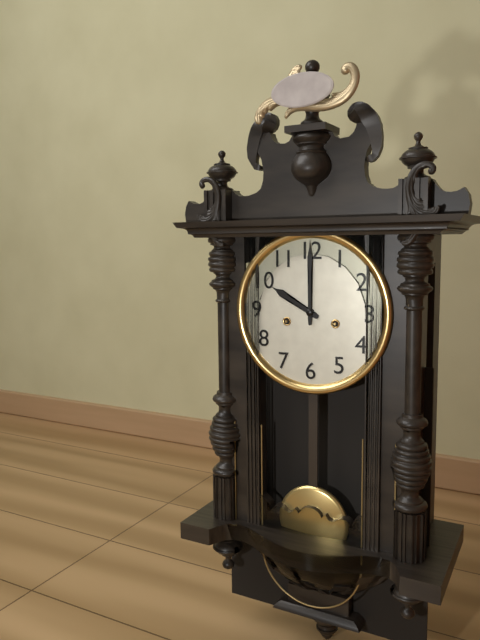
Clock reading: {"hour": 10, "minute": 0}
